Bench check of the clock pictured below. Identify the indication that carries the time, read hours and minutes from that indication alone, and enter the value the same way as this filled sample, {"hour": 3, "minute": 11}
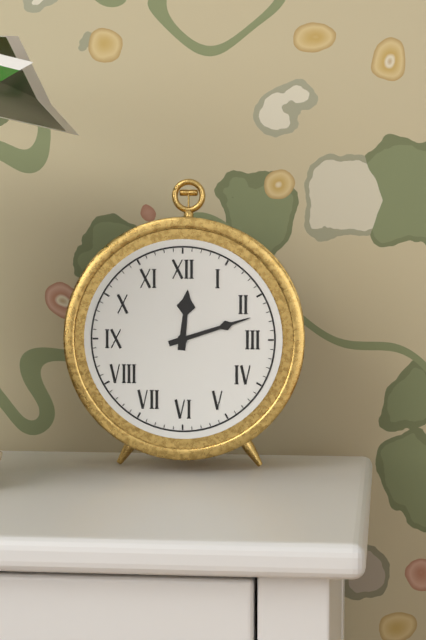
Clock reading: {"hour": 12, "minute": 12}
